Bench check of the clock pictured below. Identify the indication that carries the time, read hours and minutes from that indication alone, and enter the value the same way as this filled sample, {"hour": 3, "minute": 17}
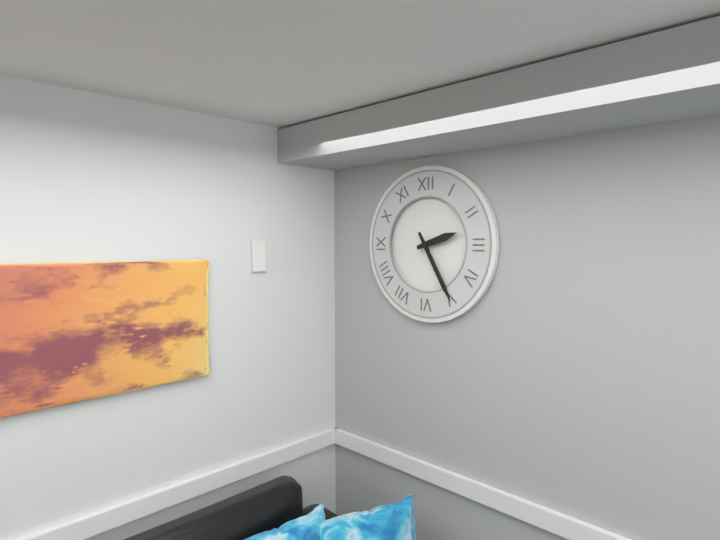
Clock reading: {"hour": 2, "minute": 25}
